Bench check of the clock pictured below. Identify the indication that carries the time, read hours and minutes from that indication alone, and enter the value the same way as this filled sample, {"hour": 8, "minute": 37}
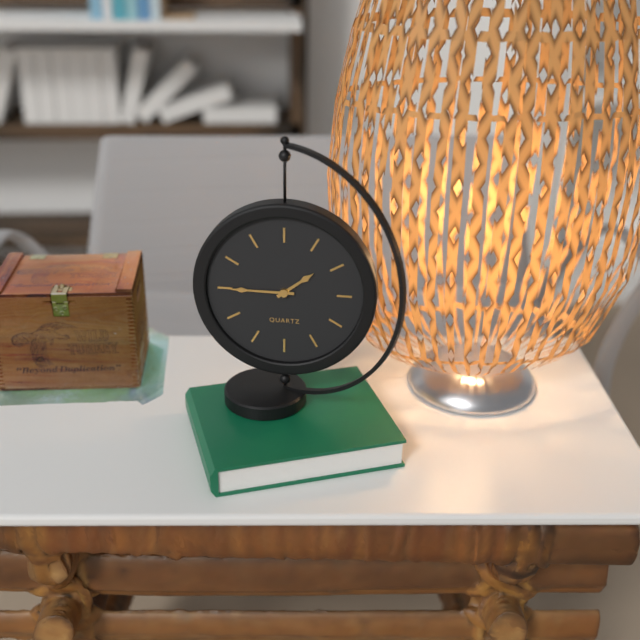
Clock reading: {"hour": 1, "minute": 45}
